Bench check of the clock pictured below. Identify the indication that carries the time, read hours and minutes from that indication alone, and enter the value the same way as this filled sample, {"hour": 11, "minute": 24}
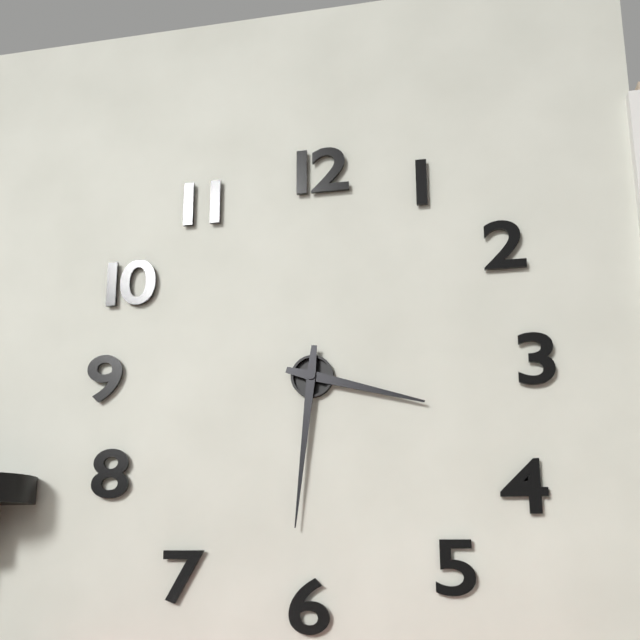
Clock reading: {"hour": 3, "minute": 31}
